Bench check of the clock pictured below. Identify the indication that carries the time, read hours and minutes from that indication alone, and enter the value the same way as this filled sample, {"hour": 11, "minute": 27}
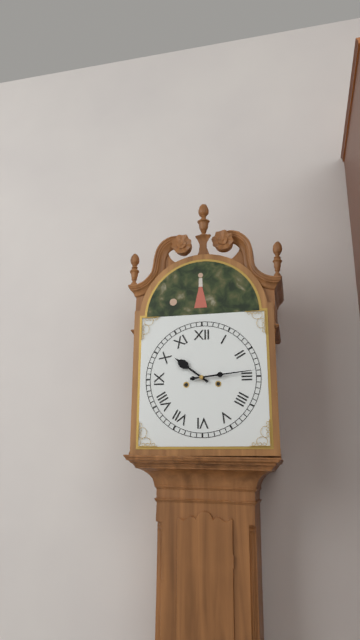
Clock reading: {"hour": 10, "minute": 14}
